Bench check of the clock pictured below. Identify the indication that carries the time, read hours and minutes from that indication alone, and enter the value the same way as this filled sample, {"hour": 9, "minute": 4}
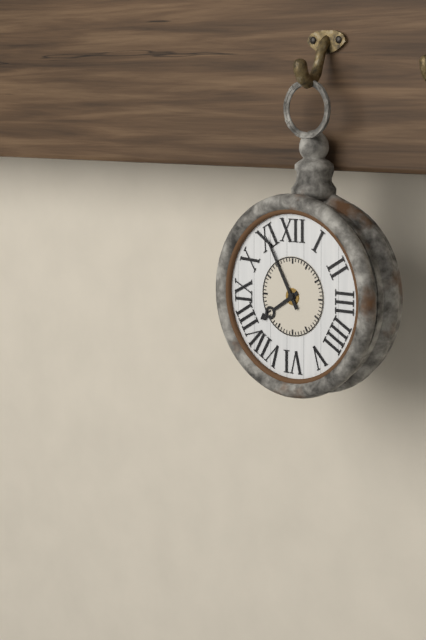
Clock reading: {"hour": 7, "minute": 55}
